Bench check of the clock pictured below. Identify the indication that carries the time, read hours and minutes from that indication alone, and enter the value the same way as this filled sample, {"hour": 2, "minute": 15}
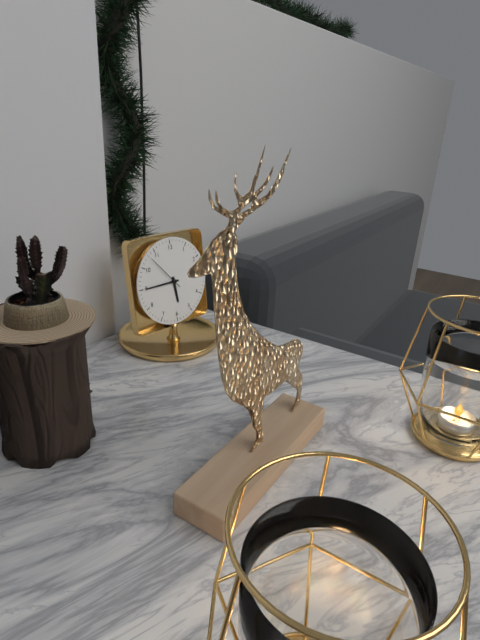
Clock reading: {"hour": 5, "minute": 45}
